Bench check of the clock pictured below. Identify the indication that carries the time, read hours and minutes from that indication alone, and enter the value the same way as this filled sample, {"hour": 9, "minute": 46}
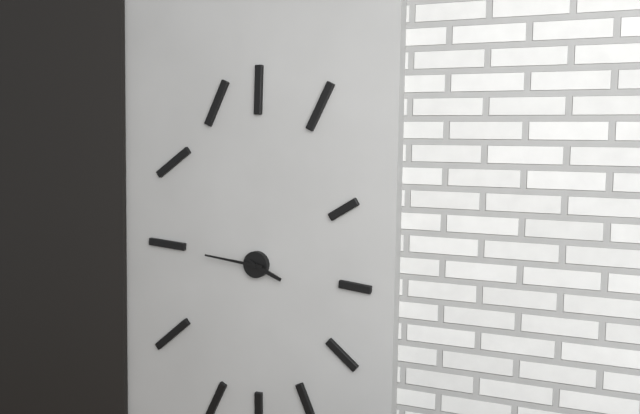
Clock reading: {"hour": 3, "minute": 46}
